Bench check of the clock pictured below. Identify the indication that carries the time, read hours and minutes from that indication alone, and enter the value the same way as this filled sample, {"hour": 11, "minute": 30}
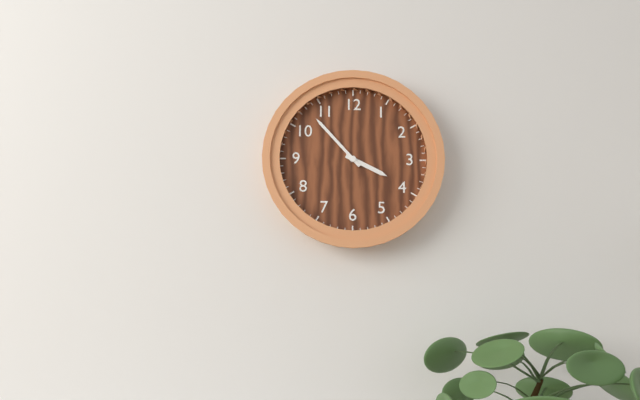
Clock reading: {"hour": 3, "minute": 53}
